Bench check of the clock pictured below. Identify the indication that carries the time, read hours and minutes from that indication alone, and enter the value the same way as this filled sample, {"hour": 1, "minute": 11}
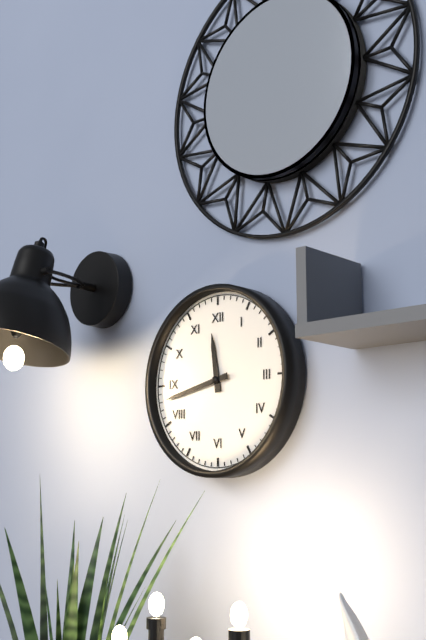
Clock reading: {"hour": 11, "minute": 43}
